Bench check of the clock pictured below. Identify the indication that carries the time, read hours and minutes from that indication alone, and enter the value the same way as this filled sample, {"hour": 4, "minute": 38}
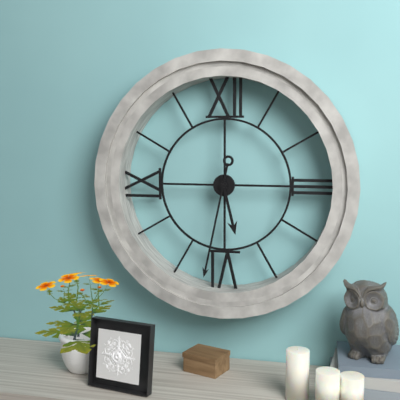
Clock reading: {"hour": 5, "minute": 32}
